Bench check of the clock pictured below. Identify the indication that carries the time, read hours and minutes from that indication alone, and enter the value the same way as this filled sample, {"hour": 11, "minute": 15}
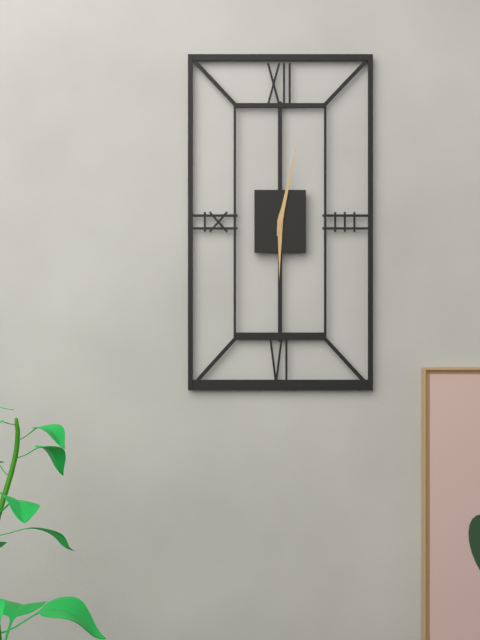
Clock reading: {"hour": 6, "minute": 2}
